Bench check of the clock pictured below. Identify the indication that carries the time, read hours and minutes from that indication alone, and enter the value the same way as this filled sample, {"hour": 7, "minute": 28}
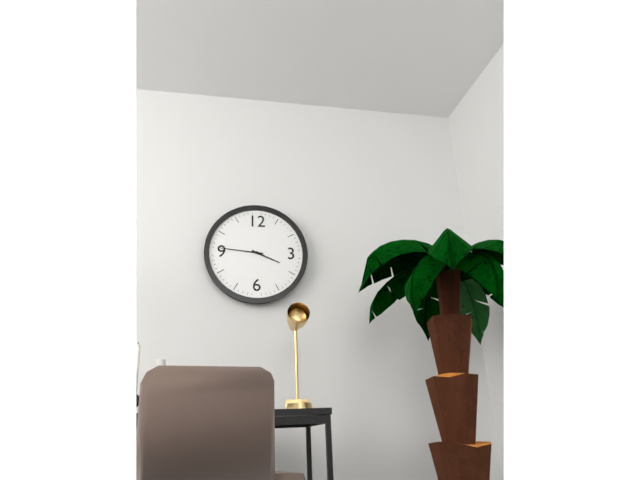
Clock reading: {"hour": 3, "minute": 46}
